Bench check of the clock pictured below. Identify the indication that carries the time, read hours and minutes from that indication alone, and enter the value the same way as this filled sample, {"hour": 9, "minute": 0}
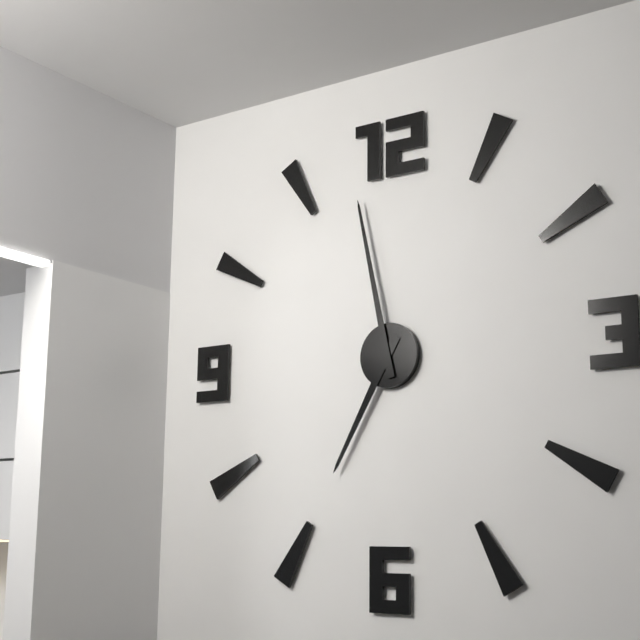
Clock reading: {"hour": 6, "minute": 58}
